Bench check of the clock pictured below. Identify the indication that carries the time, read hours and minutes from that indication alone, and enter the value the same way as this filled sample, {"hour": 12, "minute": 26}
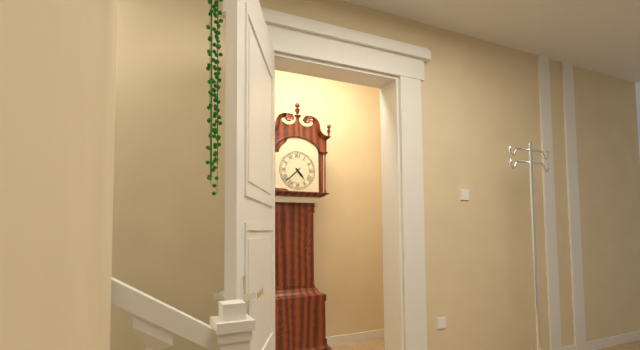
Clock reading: {"hour": 4, "minute": 38}
